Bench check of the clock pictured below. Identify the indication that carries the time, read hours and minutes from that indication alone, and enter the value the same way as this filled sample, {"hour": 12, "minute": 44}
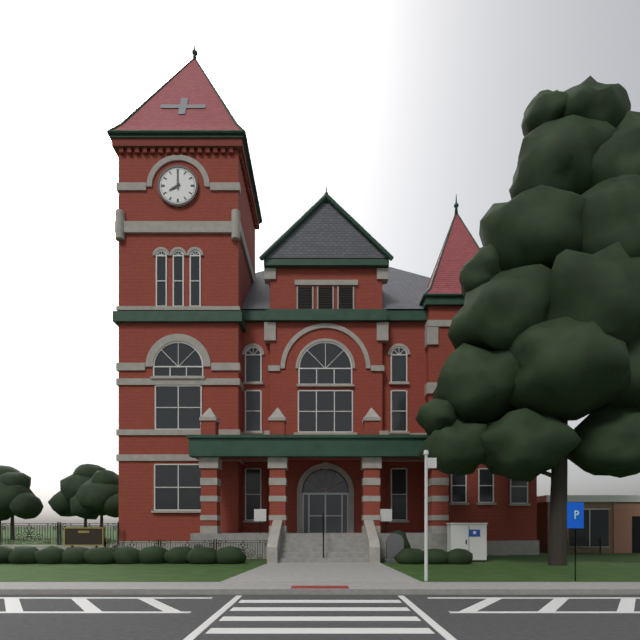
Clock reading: {"hour": 8, "minute": 0}
